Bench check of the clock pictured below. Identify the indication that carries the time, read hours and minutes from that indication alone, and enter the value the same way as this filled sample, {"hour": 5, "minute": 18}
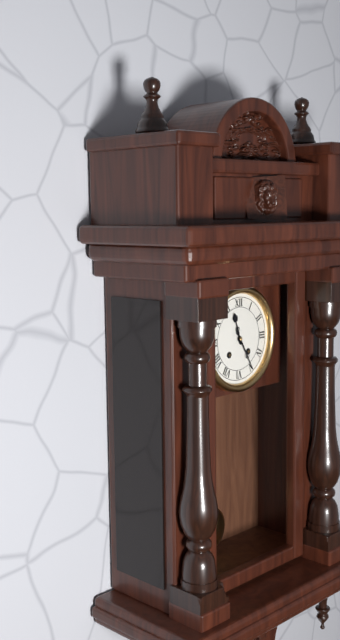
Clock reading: {"hour": 11, "minute": 25}
